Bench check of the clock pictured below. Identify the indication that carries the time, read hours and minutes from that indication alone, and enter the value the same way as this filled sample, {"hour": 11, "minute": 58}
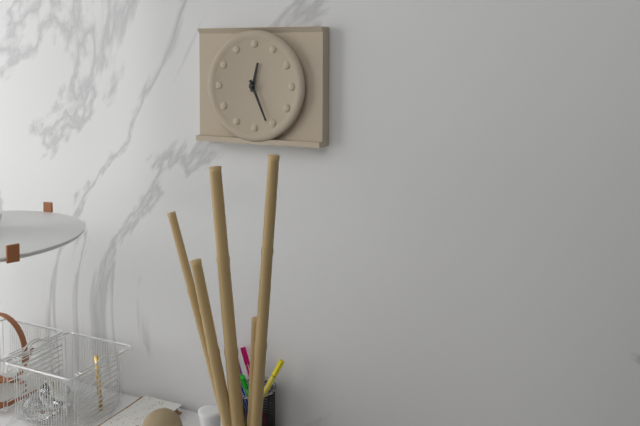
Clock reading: {"hour": 12, "minute": 26}
